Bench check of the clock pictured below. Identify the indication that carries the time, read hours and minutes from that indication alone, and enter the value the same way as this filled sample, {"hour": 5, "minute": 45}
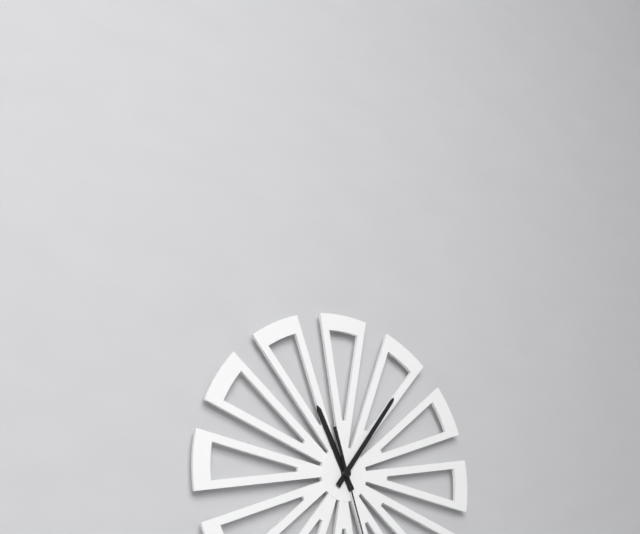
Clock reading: {"hour": 11, "minute": 6}
